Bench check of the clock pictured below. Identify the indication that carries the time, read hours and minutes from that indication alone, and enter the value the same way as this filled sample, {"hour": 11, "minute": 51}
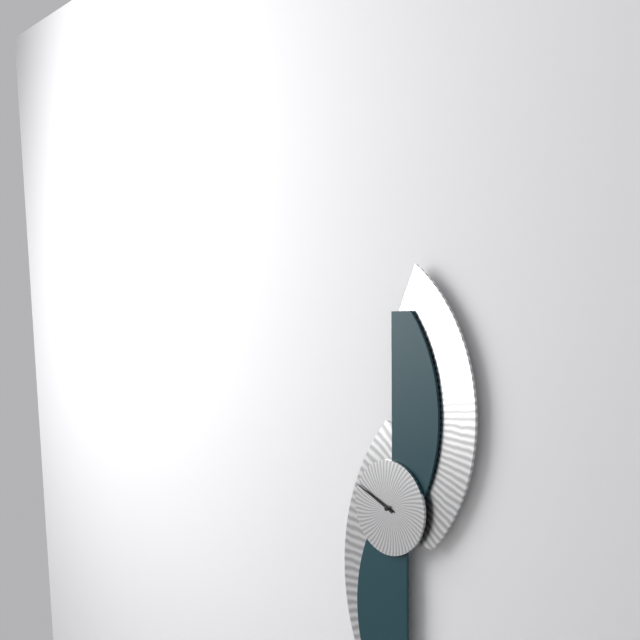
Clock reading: {"hour": 9, "minute": 49}
